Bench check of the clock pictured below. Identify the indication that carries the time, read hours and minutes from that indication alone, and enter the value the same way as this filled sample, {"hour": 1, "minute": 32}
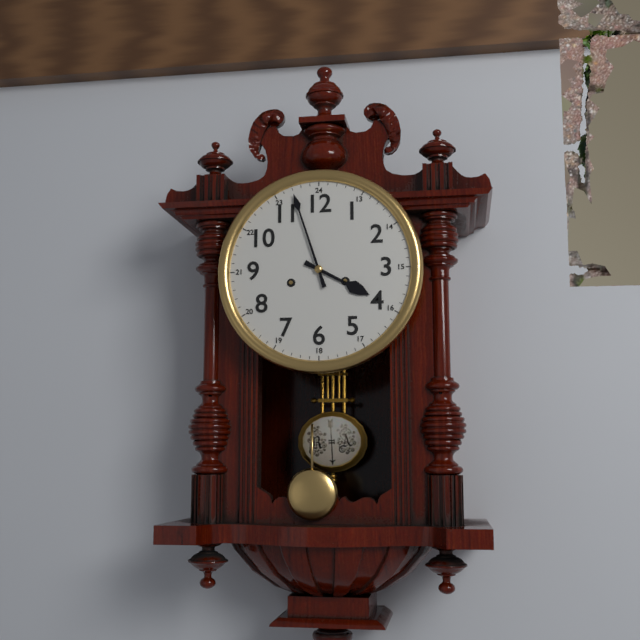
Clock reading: {"hour": 3, "minute": 57}
